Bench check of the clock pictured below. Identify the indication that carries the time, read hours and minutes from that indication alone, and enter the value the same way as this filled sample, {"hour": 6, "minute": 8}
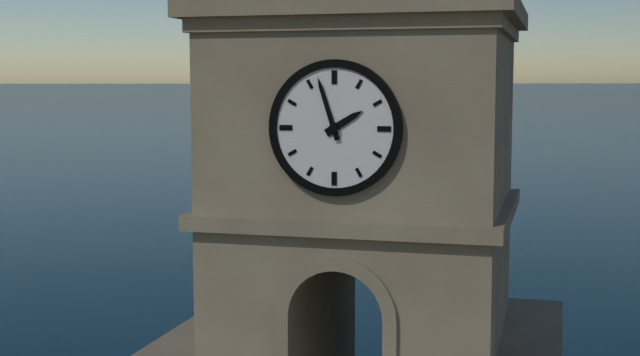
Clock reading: {"hour": 1, "minute": 57}
